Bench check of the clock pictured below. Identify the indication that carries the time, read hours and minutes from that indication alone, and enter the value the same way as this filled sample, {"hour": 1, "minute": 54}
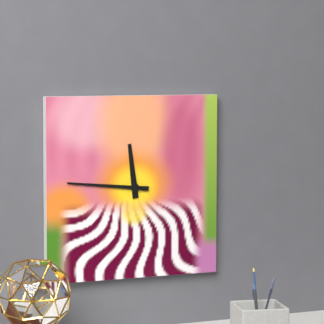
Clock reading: {"hour": 11, "minute": 46}
